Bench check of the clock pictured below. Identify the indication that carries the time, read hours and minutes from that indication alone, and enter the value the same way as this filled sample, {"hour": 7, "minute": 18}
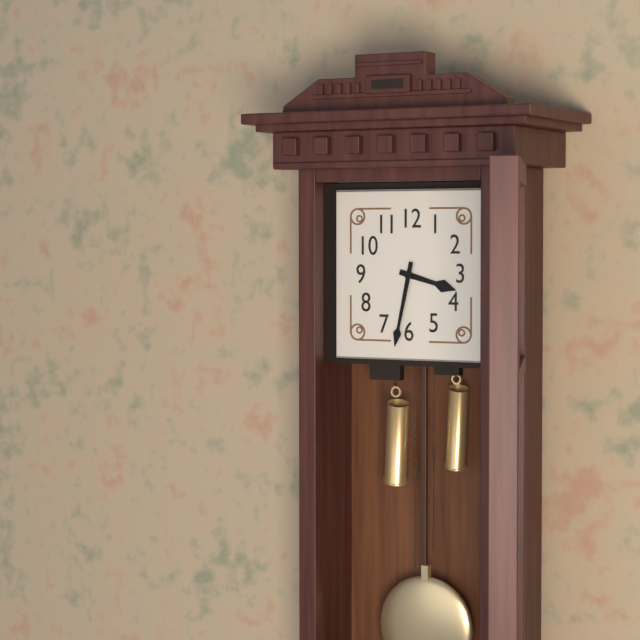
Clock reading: {"hour": 3, "minute": 32}
